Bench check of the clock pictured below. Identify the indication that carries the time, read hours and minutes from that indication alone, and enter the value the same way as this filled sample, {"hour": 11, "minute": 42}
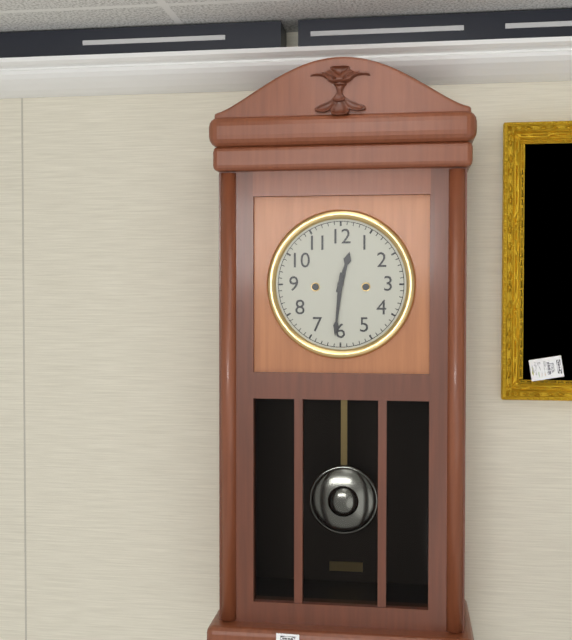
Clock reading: {"hour": 12, "minute": 31}
